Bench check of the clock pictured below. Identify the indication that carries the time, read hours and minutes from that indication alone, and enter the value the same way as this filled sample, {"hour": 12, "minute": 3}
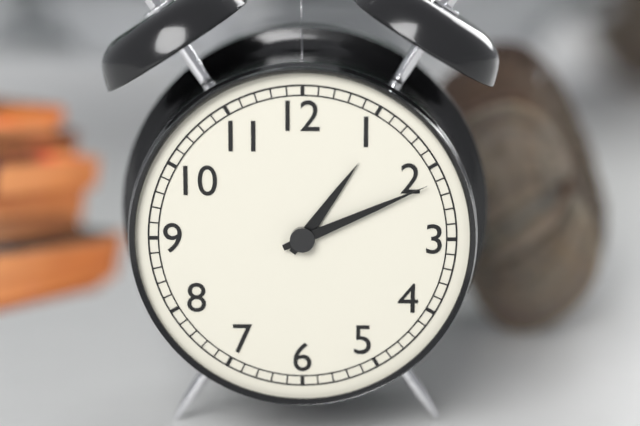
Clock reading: {"hour": 1, "minute": 11}
